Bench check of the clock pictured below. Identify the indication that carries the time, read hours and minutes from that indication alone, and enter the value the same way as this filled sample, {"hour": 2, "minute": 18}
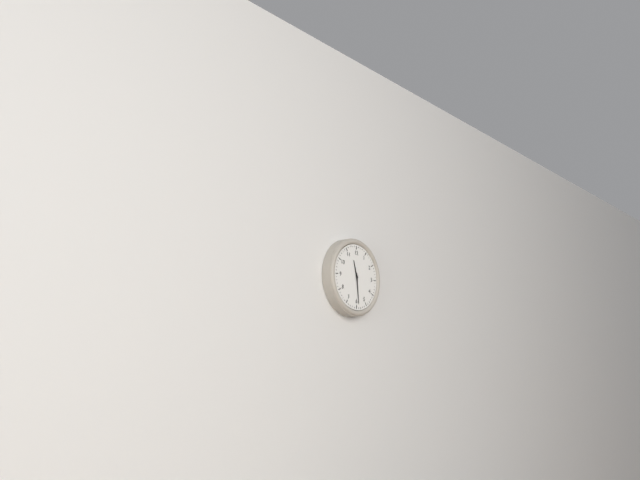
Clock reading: {"hour": 11, "minute": 29}
